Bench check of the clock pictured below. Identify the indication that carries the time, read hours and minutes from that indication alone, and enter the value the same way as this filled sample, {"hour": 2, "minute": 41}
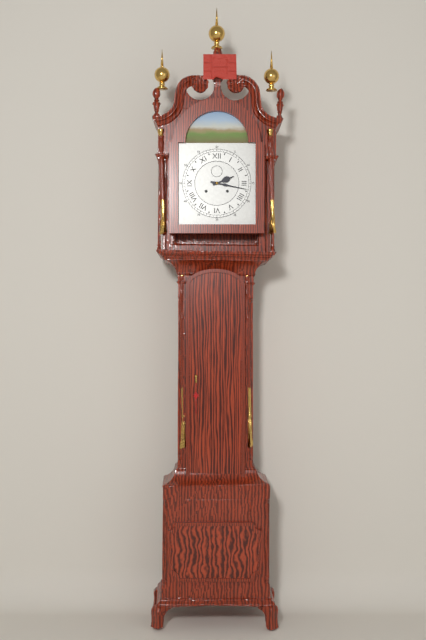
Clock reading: {"hour": 2, "minute": 17}
